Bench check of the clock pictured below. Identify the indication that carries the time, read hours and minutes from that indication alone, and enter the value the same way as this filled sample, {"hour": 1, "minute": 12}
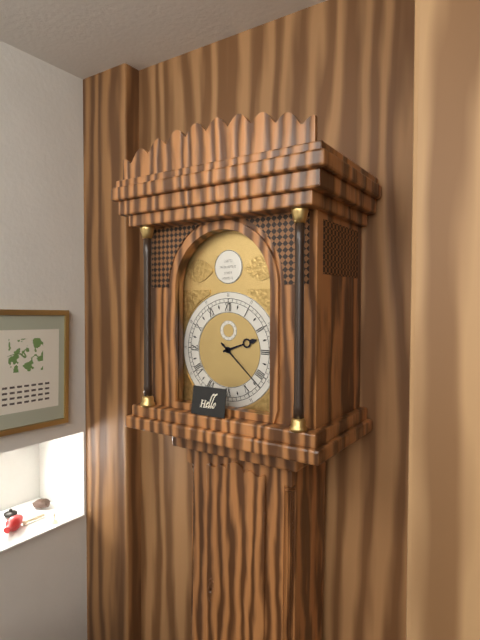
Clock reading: {"hour": 2, "minute": 22}
